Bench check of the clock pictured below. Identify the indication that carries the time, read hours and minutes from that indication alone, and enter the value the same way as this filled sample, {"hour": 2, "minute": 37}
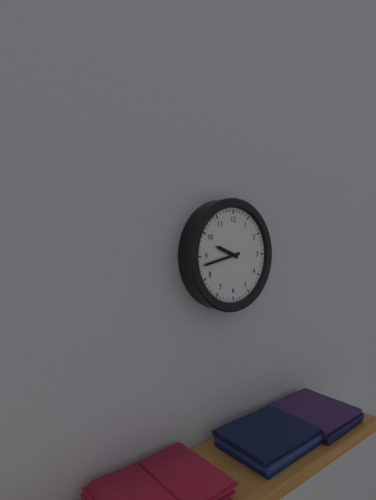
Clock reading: {"hour": 9, "minute": 43}
